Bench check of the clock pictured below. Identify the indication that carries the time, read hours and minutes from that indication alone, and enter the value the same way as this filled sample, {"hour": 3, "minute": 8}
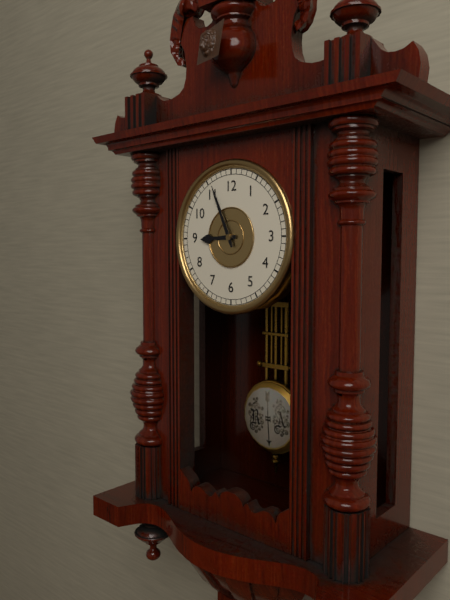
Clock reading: {"hour": 8, "minute": 56}
